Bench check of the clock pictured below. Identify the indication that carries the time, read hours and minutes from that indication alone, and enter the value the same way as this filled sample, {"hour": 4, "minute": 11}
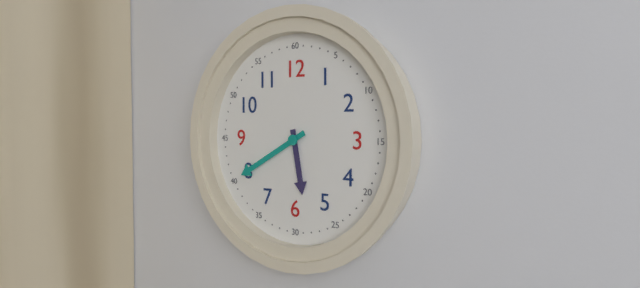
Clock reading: {"hour": 5, "minute": 40}
